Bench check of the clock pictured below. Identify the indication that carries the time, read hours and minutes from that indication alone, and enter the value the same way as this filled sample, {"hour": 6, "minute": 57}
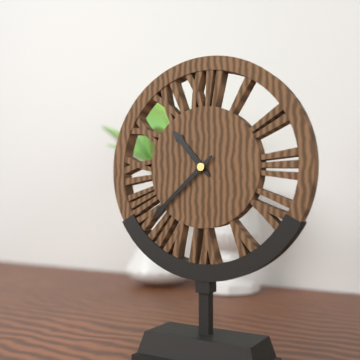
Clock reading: {"hour": 10, "minute": 38}
